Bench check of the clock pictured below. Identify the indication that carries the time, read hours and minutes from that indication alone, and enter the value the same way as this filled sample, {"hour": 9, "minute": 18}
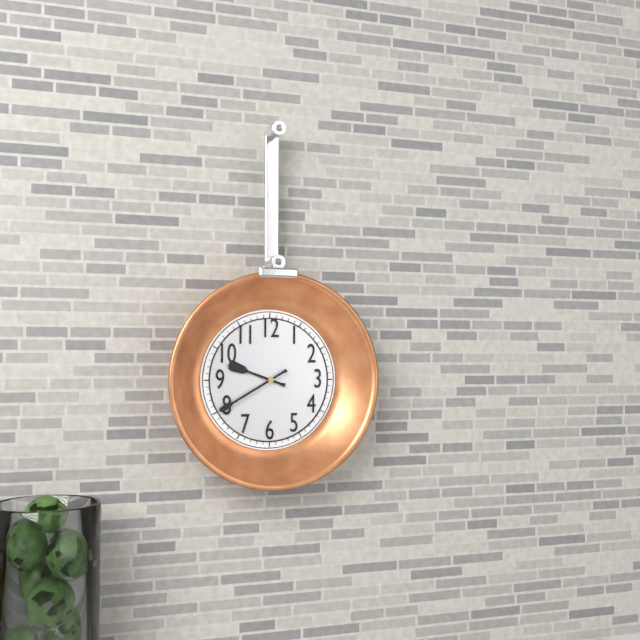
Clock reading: {"hour": 9, "minute": 40}
